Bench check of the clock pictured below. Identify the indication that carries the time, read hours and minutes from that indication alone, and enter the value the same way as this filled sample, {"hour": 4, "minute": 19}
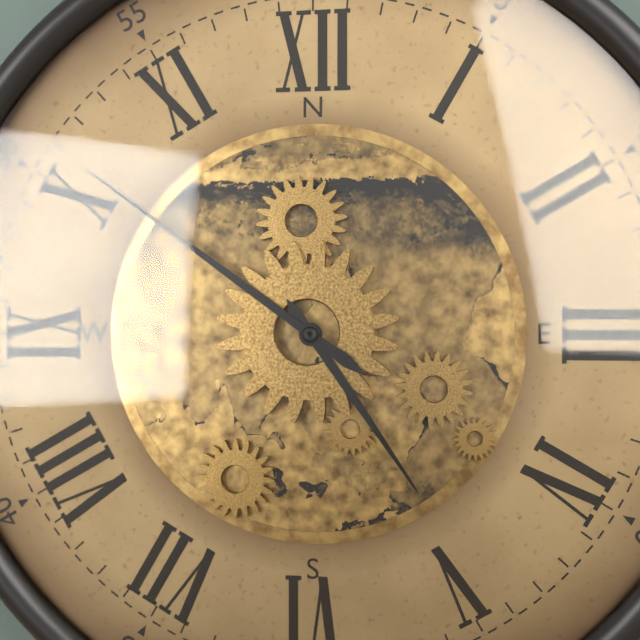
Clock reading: {"hour": 4, "minute": 51}
